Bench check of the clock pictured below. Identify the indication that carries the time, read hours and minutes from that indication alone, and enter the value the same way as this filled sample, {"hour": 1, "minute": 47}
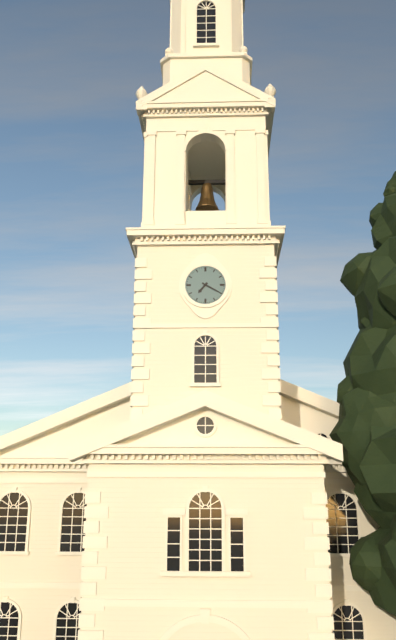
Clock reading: {"hour": 7, "minute": 20}
